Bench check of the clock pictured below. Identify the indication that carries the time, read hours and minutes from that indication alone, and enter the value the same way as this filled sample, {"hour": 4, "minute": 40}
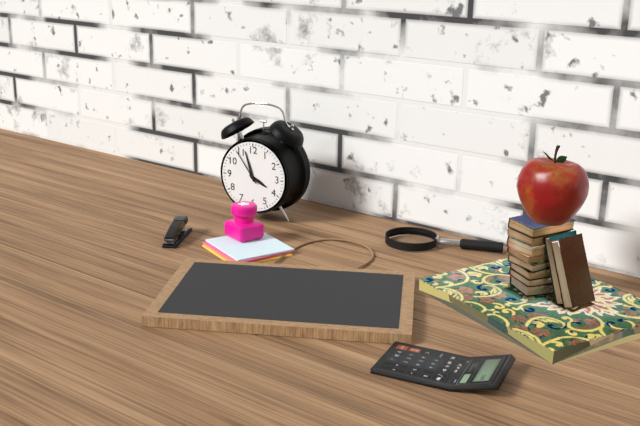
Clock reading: {"hour": 3, "minute": 57}
